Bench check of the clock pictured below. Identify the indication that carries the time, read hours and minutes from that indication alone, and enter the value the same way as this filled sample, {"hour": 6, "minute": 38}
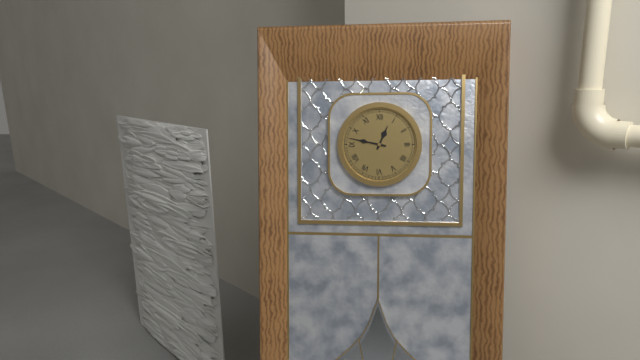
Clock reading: {"hour": 12, "minute": 47}
